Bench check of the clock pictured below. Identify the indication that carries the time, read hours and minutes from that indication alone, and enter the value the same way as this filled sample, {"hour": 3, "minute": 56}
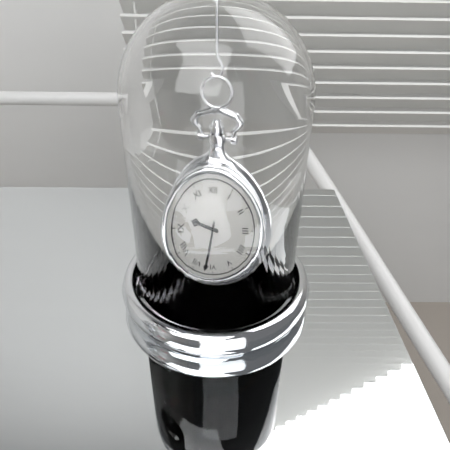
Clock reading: {"hour": 9, "minute": 32}
